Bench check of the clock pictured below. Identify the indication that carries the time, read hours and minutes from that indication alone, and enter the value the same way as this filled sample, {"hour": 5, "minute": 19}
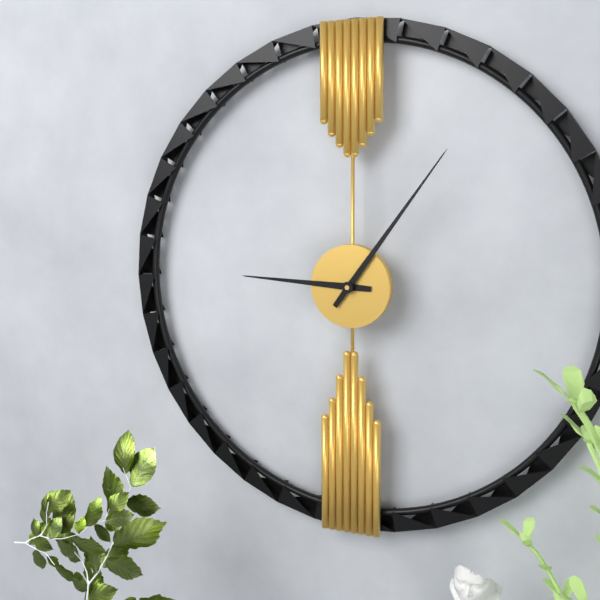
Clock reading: {"hour": 9, "minute": 6}
